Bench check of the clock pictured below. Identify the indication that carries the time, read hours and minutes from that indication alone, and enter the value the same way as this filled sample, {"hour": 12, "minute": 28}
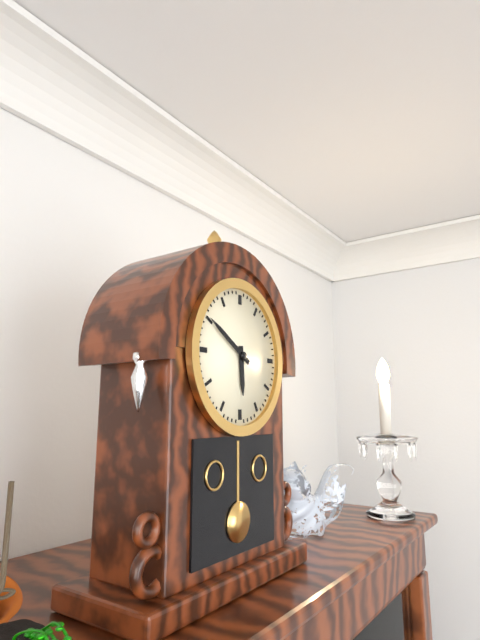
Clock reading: {"hour": 5, "minute": 50}
